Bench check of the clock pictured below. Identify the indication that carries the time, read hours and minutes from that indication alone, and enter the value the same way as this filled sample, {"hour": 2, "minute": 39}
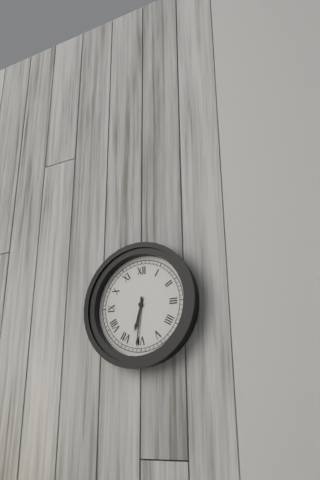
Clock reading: {"hour": 6, "minute": 31}
